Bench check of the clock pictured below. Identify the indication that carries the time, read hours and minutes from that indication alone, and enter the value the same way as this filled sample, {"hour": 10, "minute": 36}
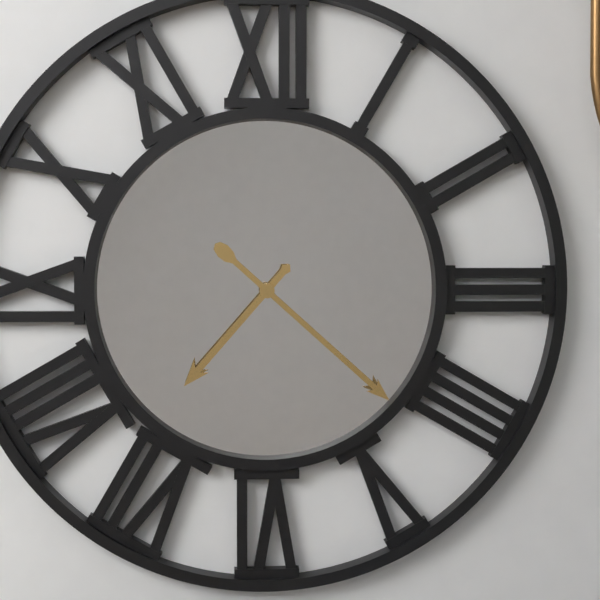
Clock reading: {"hour": 7, "minute": 22}
